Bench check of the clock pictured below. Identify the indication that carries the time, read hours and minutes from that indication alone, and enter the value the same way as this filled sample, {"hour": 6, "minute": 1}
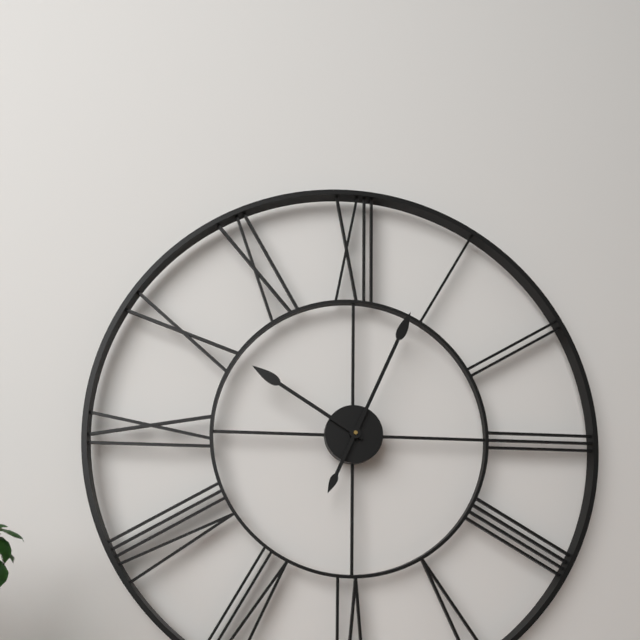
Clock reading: {"hour": 10, "minute": 4}
